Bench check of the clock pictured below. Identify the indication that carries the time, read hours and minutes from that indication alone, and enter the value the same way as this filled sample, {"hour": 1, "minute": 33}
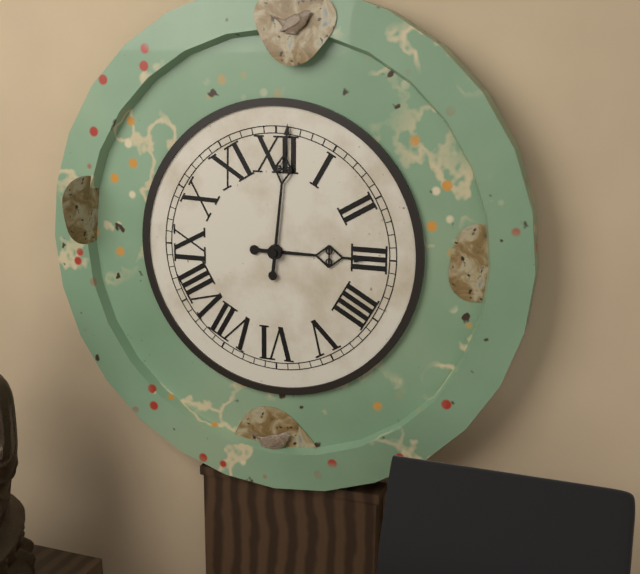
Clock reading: {"hour": 3, "minute": 1}
